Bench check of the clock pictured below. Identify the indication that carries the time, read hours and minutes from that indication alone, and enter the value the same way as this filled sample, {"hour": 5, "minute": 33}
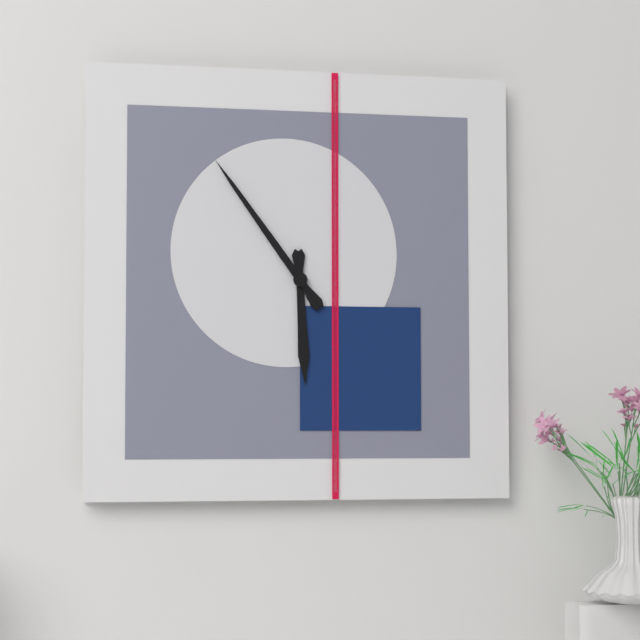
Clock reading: {"hour": 5, "minute": 54}
